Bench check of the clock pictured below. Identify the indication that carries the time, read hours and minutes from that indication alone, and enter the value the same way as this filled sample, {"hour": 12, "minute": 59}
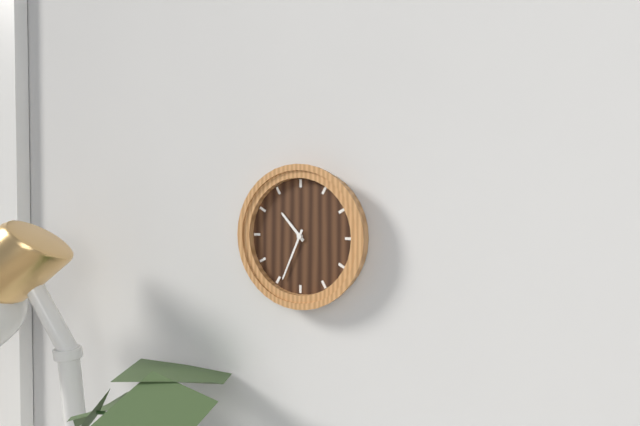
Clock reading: {"hour": 10, "minute": 34}
